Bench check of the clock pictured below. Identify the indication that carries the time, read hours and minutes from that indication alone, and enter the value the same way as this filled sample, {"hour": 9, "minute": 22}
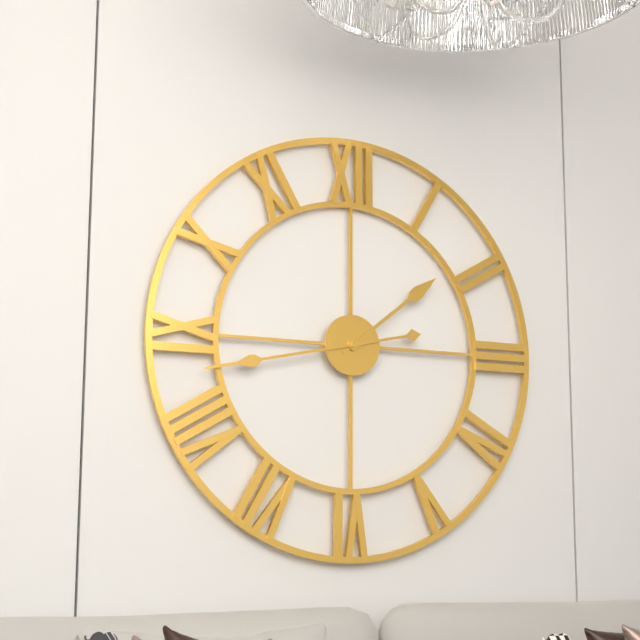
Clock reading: {"hour": 1, "minute": 43}
